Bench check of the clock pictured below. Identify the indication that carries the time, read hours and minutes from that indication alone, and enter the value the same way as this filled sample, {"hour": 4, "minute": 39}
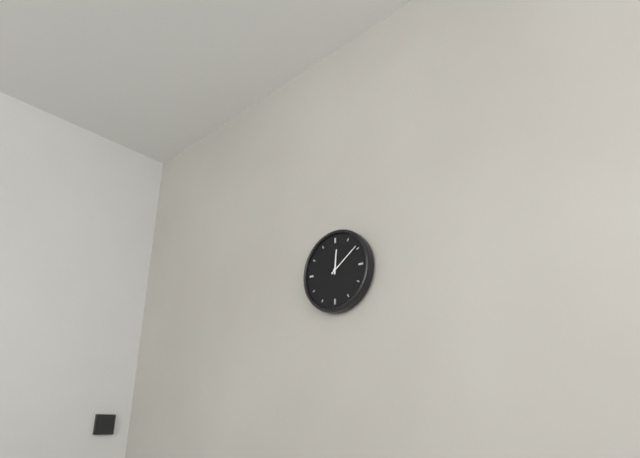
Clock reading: {"hour": 12, "minute": 9}
